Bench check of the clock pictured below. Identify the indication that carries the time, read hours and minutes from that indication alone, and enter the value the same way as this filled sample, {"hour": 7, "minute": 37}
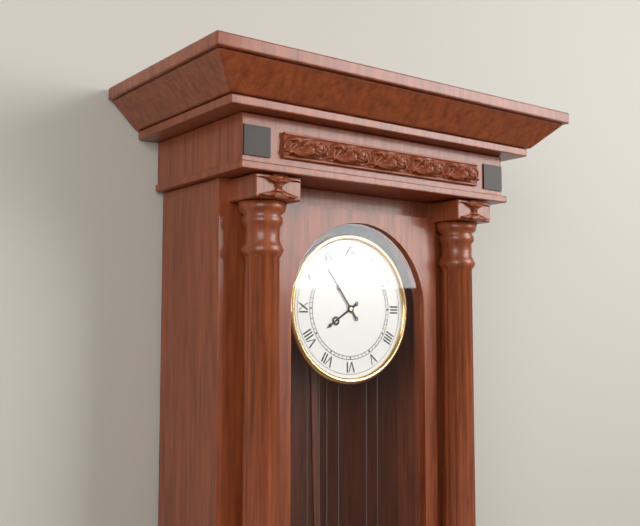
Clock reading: {"hour": 7, "minute": 54}
